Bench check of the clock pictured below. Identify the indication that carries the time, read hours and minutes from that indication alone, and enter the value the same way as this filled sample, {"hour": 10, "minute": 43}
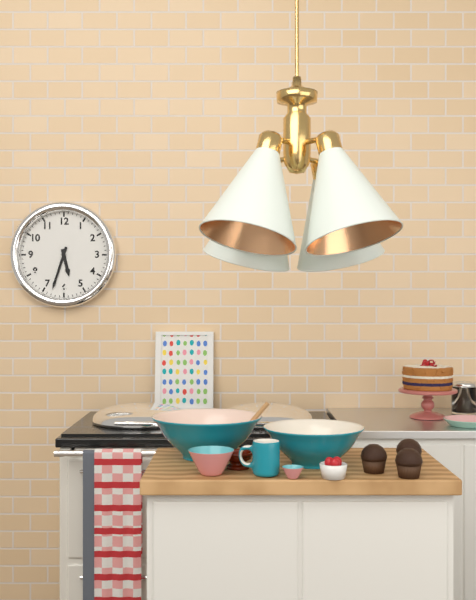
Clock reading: {"hour": 5, "minute": 33}
